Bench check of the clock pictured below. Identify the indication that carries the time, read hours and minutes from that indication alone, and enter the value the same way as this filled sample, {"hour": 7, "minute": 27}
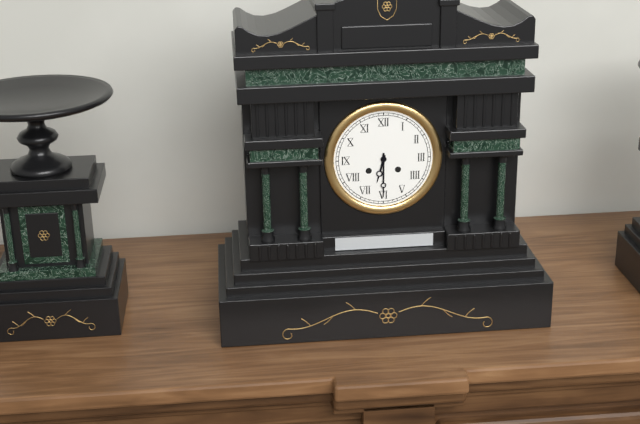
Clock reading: {"hour": 6, "minute": 30}
